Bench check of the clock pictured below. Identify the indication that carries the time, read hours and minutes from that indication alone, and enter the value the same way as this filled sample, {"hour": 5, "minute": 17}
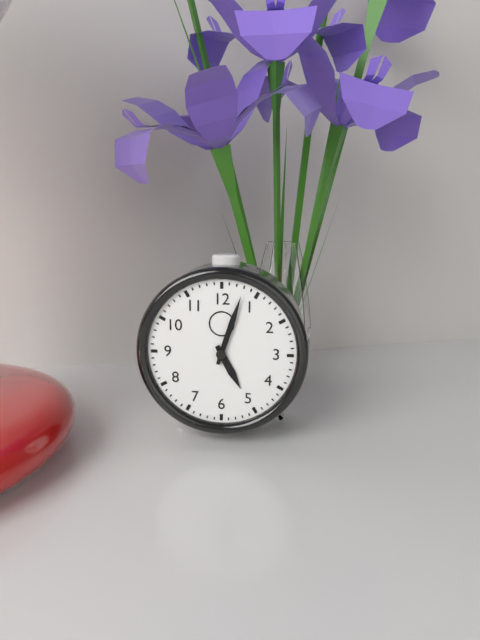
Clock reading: {"hour": 5, "minute": 3}
